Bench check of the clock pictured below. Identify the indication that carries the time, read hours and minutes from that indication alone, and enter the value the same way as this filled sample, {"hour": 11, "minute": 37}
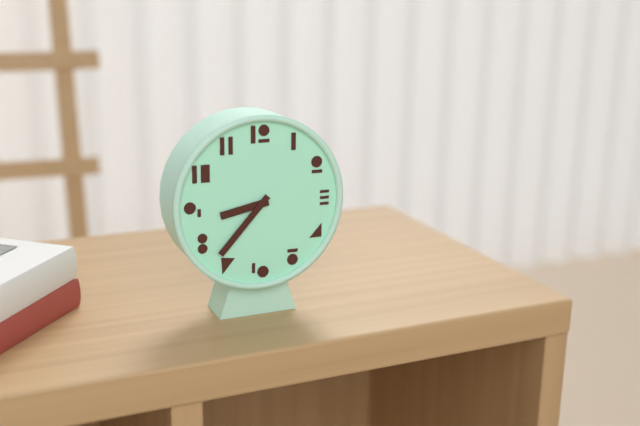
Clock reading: {"hour": 8, "minute": 37}
